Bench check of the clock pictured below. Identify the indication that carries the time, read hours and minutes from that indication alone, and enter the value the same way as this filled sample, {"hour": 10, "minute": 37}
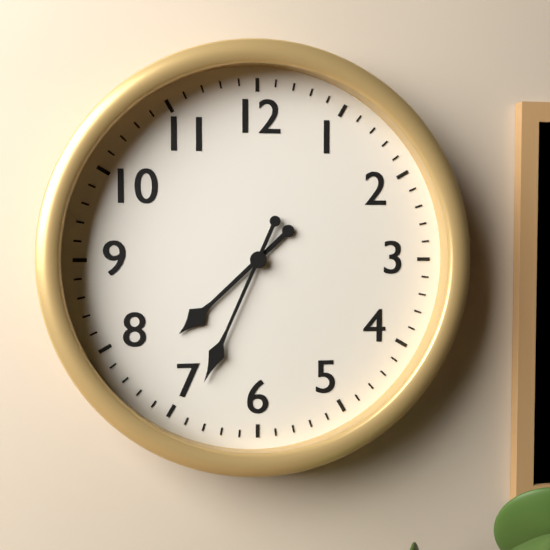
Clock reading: {"hour": 7, "minute": 34}
